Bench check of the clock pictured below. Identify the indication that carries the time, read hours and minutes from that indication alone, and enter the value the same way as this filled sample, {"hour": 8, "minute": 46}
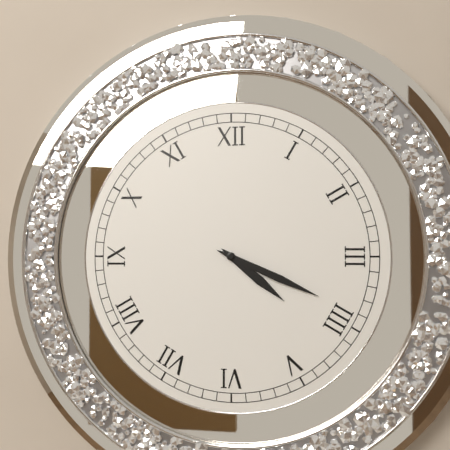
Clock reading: {"hour": 4, "minute": 19}
